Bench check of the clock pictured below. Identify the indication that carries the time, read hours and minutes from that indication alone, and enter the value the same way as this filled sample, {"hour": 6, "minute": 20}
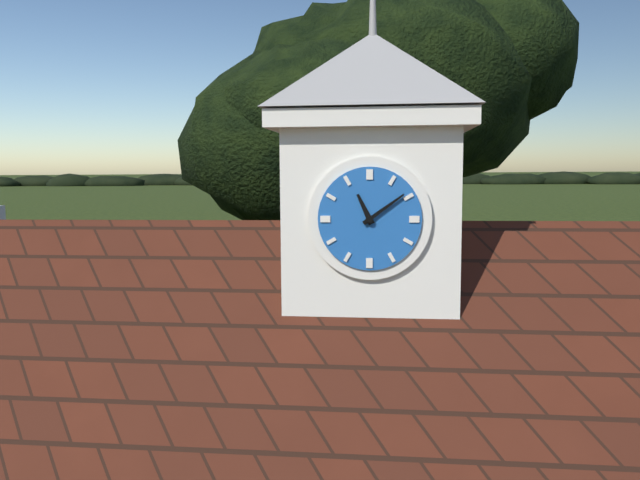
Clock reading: {"hour": 11, "minute": 9}
